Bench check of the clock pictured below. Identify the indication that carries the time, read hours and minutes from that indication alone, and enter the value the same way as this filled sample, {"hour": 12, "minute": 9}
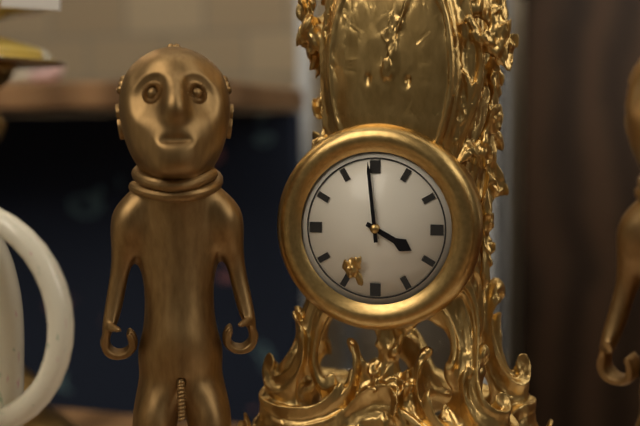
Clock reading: {"hour": 3, "minute": 59}
